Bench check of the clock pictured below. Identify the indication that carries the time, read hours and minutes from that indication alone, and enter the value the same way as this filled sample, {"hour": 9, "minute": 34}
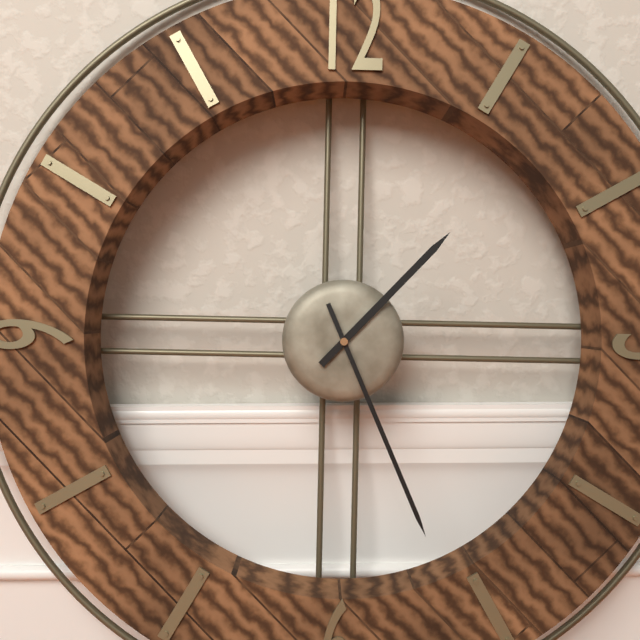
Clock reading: {"hour": 1, "minute": 26}
